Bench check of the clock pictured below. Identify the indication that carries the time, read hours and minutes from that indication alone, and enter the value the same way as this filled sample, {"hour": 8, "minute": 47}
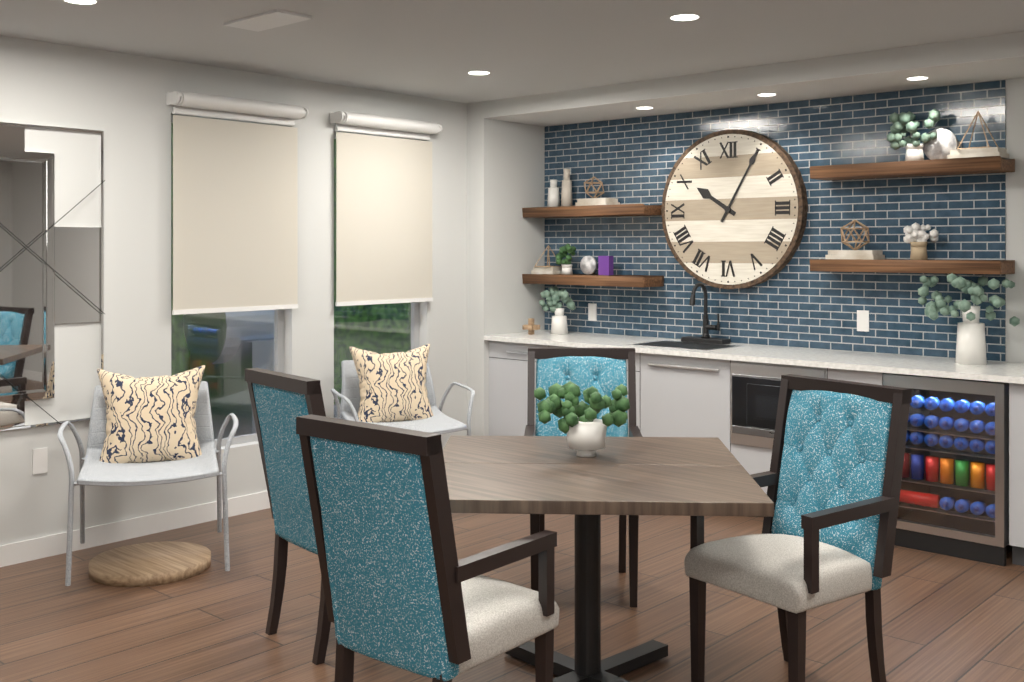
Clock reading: {"hour": 10, "minute": 5}
